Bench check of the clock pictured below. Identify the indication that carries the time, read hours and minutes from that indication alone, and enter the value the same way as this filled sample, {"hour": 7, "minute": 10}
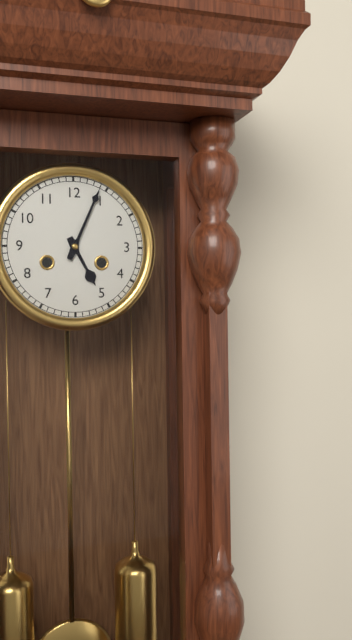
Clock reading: {"hour": 5, "minute": 4}
